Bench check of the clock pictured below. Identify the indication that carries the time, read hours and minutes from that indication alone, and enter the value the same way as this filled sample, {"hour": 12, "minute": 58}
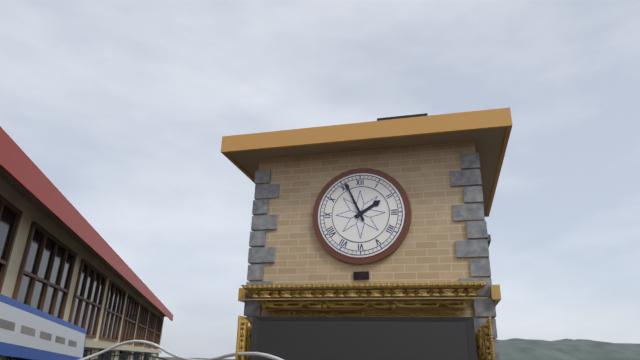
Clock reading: {"hour": 1, "minute": 56}
